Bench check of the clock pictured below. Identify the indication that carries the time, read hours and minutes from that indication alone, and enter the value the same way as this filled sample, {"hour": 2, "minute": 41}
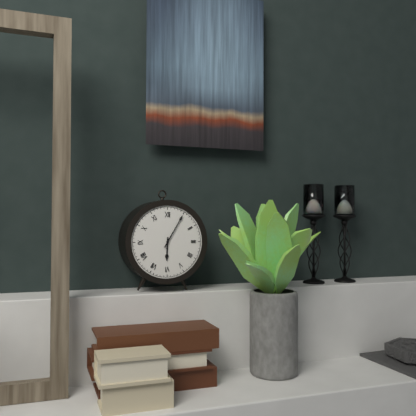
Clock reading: {"hour": 6, "minute": 5}
